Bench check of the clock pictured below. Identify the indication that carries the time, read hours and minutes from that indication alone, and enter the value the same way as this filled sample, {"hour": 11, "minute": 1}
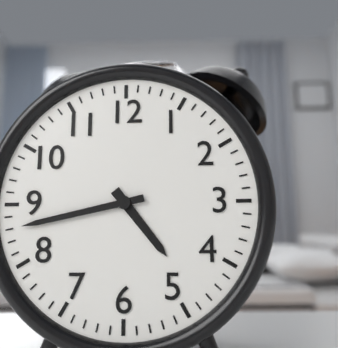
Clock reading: {"hour": 4, "minute": 43}
